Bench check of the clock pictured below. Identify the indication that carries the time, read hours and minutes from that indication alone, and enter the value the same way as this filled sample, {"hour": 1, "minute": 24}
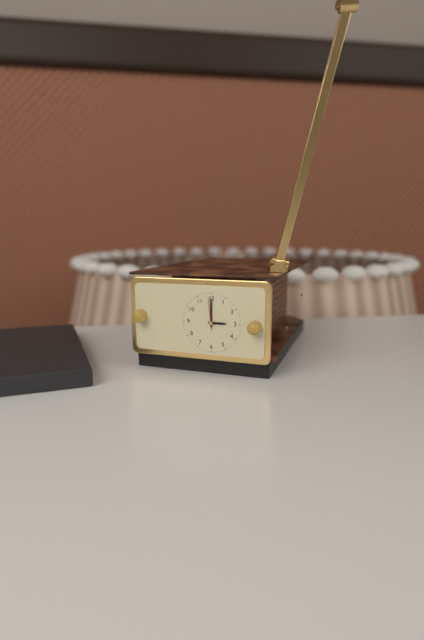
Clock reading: {"hour": 3, "minute": 0}
